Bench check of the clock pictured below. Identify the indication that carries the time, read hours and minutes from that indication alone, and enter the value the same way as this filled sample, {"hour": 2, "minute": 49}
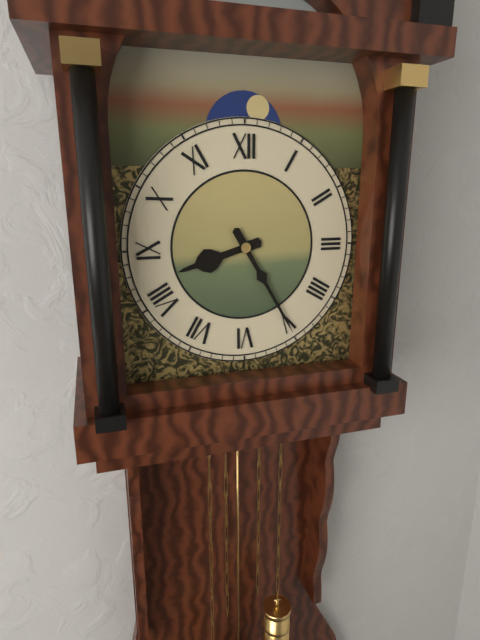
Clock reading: {"hour": 8, "minute": 25}
